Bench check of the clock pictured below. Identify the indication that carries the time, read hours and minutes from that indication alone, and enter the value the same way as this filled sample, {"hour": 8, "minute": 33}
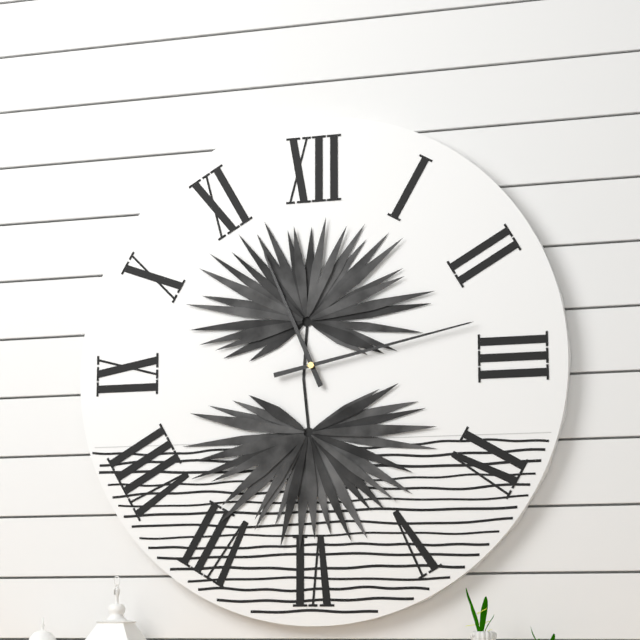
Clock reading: {"hour": 11, "minute": 13}
